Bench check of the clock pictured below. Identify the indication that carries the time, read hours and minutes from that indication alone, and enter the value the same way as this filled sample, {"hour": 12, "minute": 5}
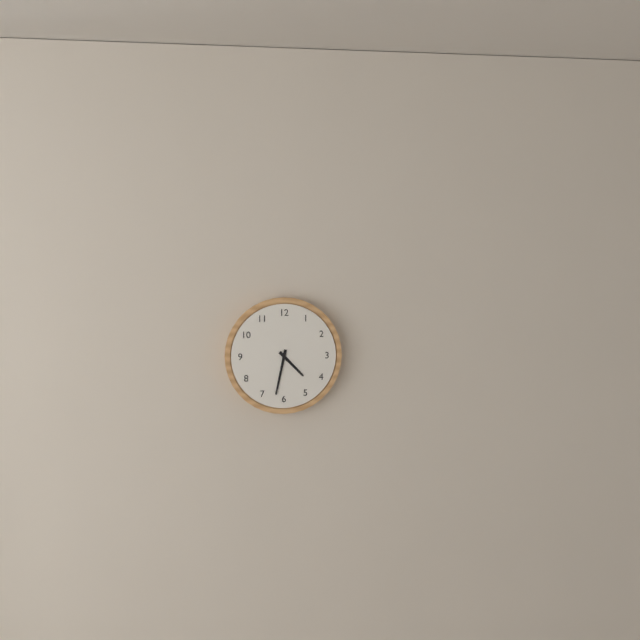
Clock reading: {"hour": 4, "minute": 32}
